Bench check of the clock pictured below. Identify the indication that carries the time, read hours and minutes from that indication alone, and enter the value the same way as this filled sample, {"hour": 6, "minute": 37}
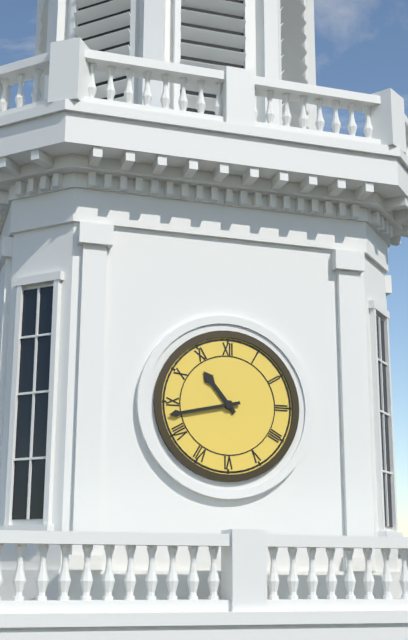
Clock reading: {"hour": 10, "minute": 43}
